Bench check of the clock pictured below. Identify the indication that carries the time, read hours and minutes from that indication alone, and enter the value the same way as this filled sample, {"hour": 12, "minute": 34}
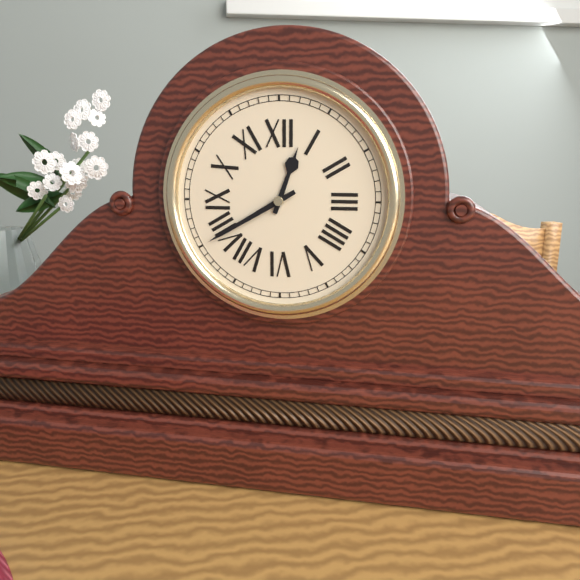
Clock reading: {"hour": 12, "minute": 40}
